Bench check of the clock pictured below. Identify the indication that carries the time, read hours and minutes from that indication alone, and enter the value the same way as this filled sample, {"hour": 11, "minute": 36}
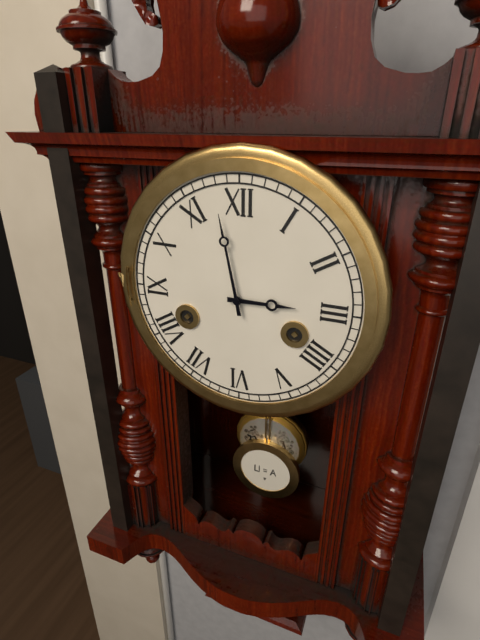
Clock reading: {"hour": 2, "minute": 58}
